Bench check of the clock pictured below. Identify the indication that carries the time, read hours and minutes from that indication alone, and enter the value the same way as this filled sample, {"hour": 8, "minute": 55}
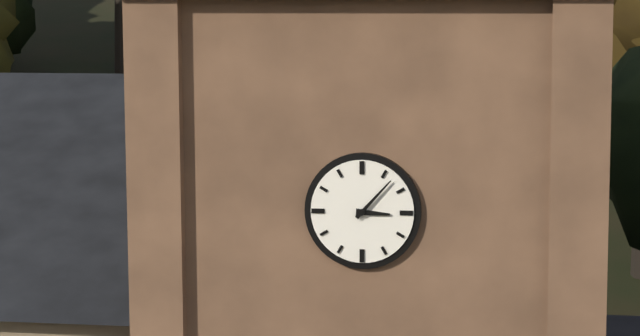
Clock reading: {"hour": 3, "minute": 7}
